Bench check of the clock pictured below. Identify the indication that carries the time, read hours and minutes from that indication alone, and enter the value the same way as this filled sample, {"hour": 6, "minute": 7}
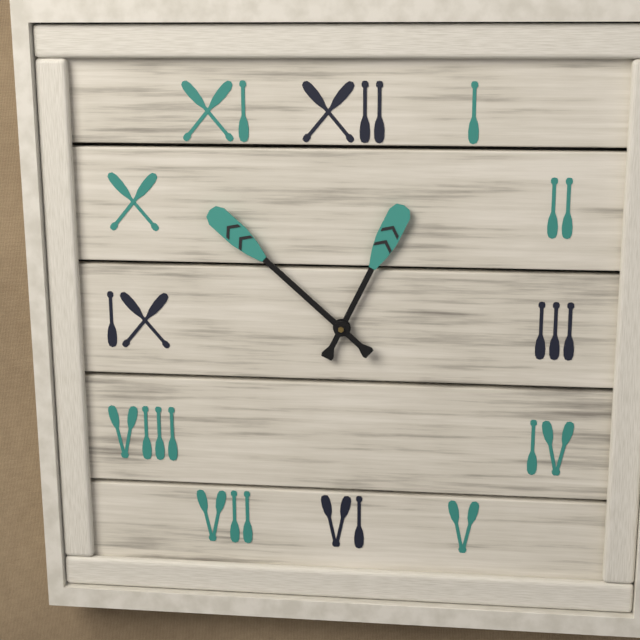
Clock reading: {"hour": 12, "minute": 52}
